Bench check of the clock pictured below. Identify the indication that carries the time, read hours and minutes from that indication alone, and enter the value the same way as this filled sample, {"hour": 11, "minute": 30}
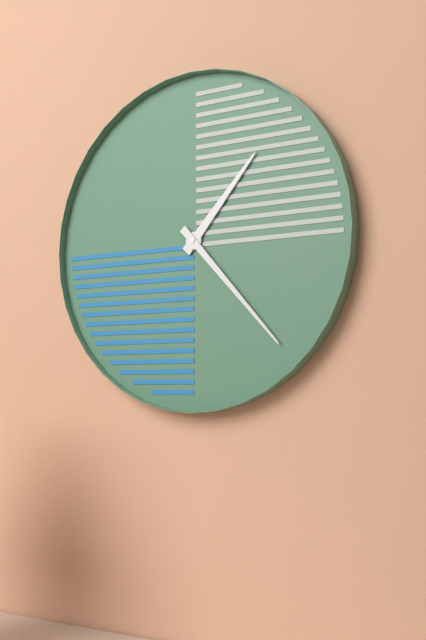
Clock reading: {"hour": 1, "minute": 23}
